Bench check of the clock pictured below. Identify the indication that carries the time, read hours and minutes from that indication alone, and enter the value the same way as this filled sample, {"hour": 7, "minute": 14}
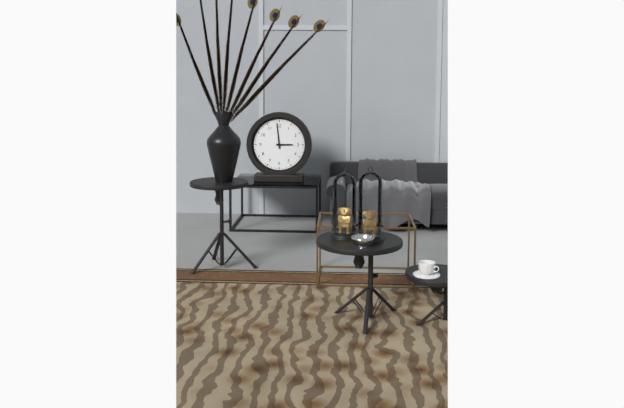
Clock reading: {"hour": 2, "minute": 59}
